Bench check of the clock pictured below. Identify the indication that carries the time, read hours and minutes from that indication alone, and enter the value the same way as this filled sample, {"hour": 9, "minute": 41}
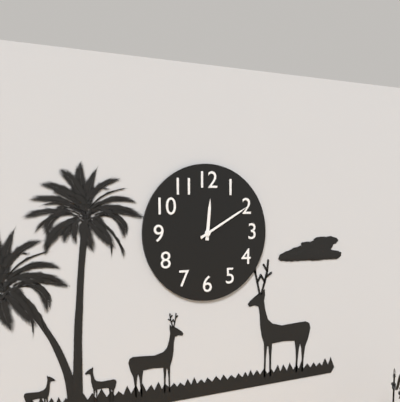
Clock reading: {"hour": 12, "minute": 10}
